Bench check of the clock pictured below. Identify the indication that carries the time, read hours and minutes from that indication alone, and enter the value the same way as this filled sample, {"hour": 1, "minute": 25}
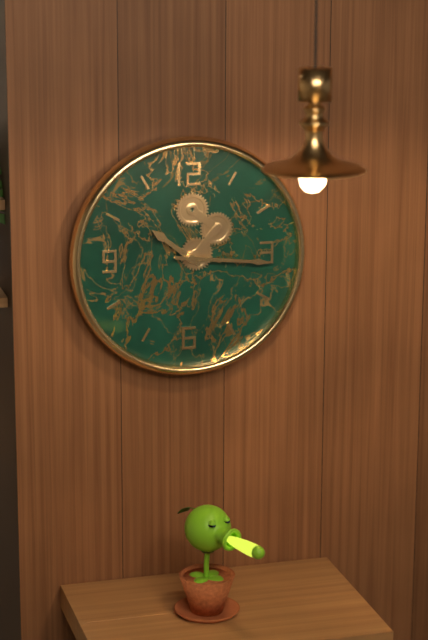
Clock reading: {"hour": 10, "minute": 16}
